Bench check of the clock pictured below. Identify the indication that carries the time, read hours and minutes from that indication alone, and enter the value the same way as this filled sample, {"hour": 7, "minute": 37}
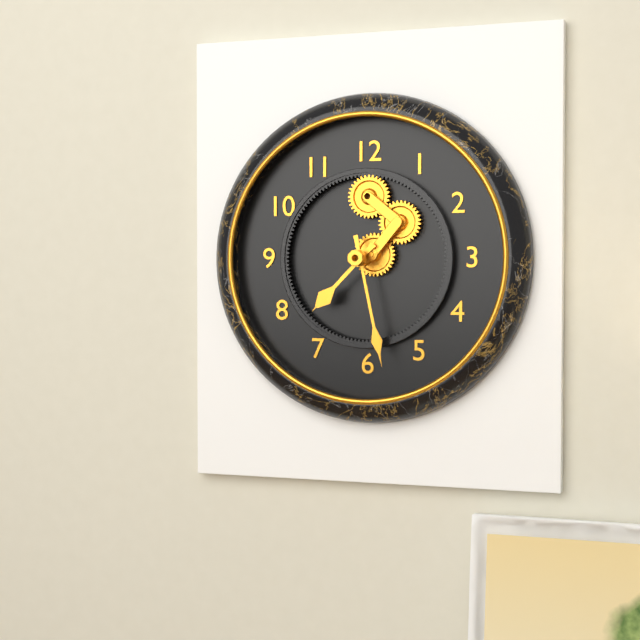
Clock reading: {"hour": 7, "minute": 28}
